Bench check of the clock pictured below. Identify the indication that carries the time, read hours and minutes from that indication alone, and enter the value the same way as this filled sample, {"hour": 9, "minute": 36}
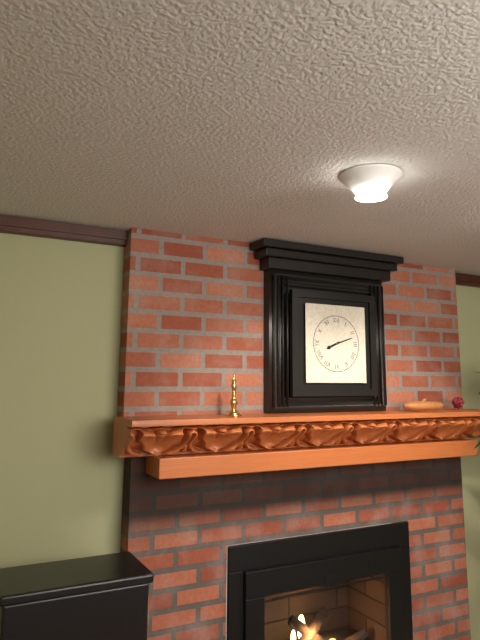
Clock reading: {"hour": 8, "minute": 12}
